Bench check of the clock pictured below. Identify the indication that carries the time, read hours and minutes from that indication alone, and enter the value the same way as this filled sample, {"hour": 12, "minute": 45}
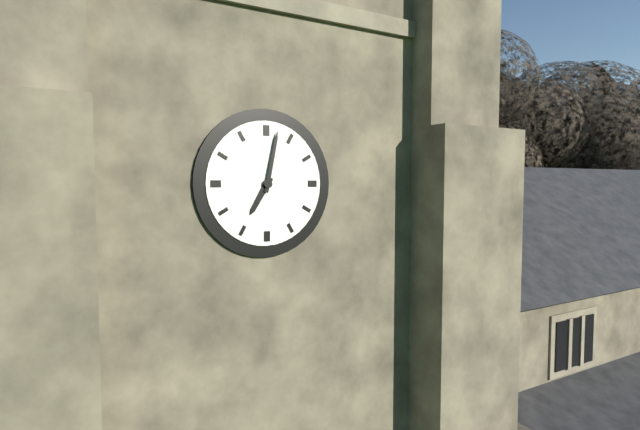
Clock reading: {"hour": 7, "minute": 2}
